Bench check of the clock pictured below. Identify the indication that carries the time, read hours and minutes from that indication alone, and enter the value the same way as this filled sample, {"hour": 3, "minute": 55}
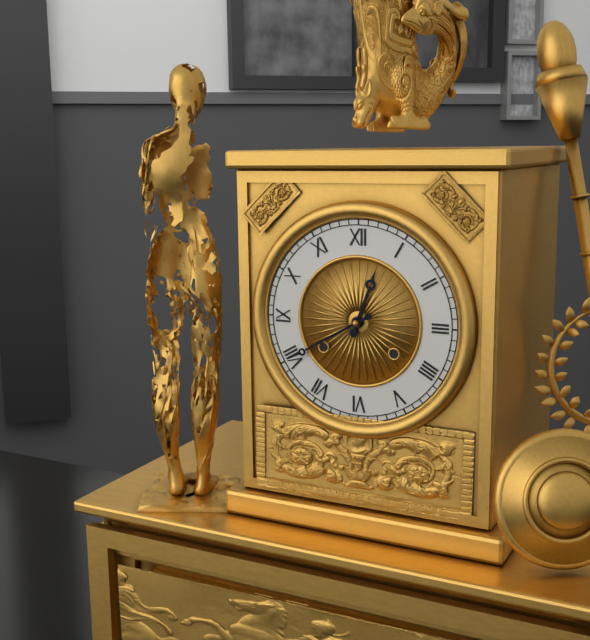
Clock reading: {"hour": 12, "minute": 40}
